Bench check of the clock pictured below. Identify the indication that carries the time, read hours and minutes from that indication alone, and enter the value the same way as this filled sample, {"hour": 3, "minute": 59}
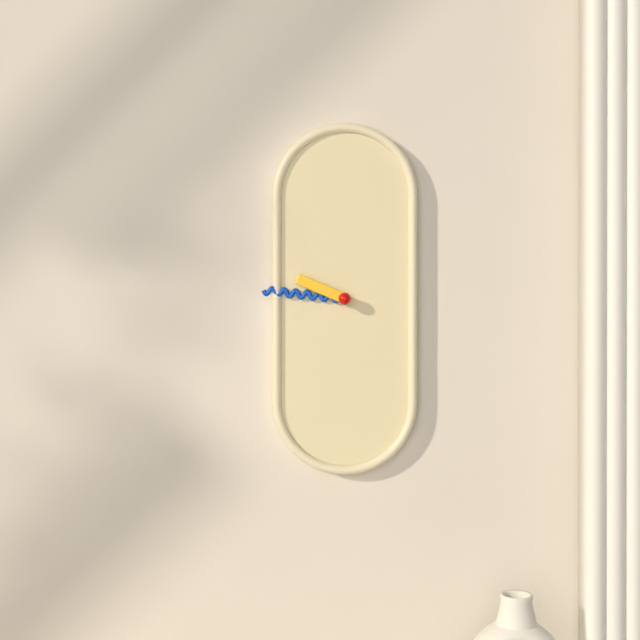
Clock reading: {"hour": 9, "minute": 46}
